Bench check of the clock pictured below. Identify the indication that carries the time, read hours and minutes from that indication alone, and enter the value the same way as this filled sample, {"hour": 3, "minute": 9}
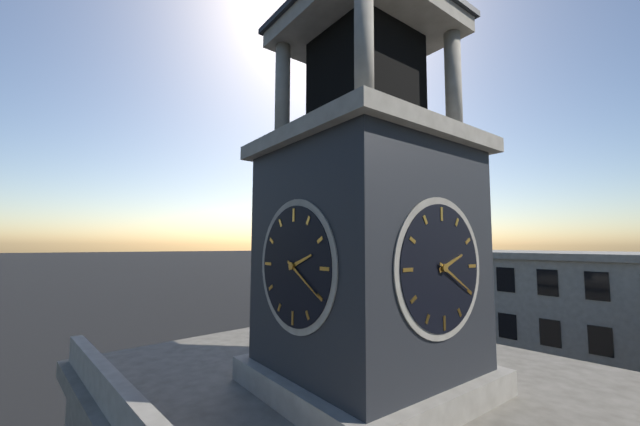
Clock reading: {"hour": 2, "minute": 20}
